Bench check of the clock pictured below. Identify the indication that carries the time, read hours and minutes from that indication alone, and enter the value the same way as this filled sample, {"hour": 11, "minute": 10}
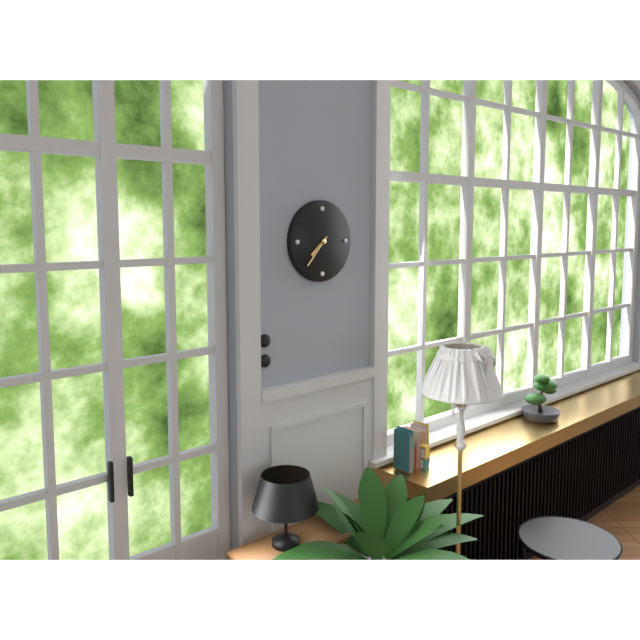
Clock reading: {"hour": 7, "minute": 37}
